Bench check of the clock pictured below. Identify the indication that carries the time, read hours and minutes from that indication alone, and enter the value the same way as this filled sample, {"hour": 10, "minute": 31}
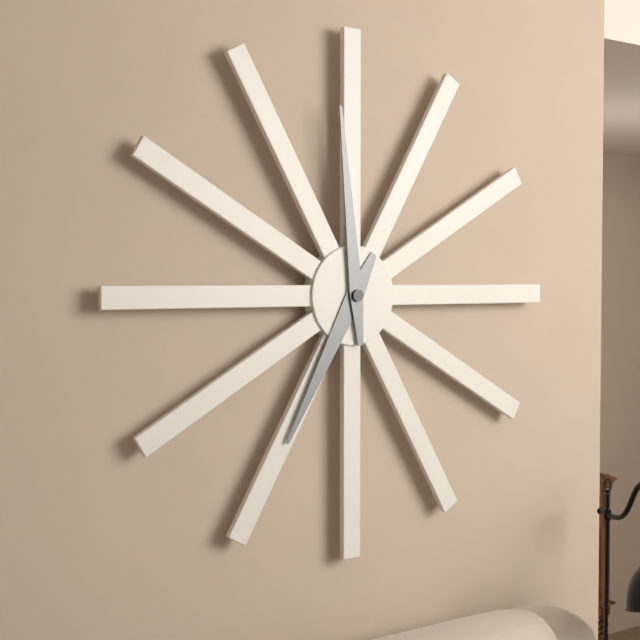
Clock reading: {"hour": 6, "minute": 59}
